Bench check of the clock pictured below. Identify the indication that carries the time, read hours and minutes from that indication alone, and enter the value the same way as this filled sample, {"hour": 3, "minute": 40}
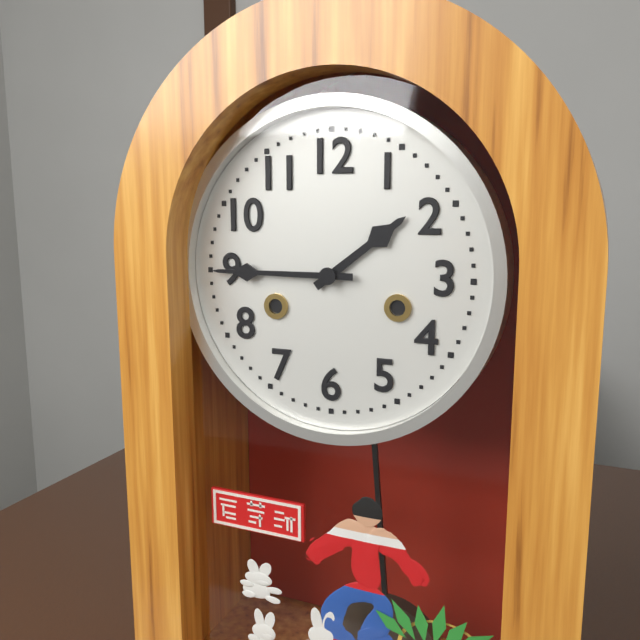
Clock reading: {"hour": 1, "minute": 45}
